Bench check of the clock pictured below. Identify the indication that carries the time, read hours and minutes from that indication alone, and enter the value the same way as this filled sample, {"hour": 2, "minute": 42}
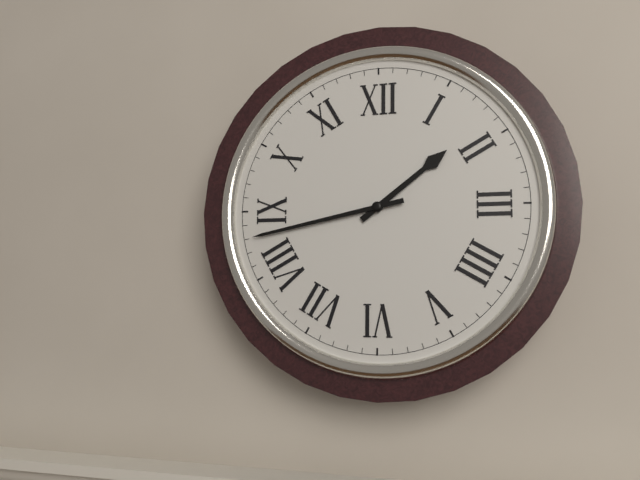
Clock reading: {"hour": 1, "minute": 43}
